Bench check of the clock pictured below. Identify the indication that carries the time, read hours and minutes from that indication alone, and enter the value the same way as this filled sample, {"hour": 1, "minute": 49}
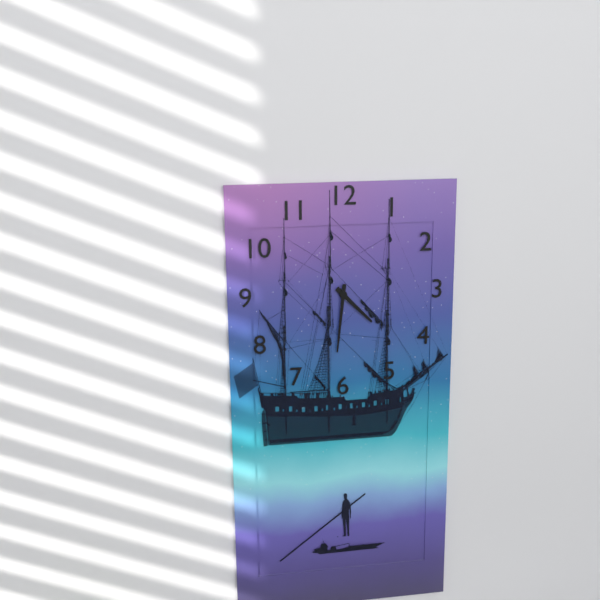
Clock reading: {"hour": 4, "minute": 31}
